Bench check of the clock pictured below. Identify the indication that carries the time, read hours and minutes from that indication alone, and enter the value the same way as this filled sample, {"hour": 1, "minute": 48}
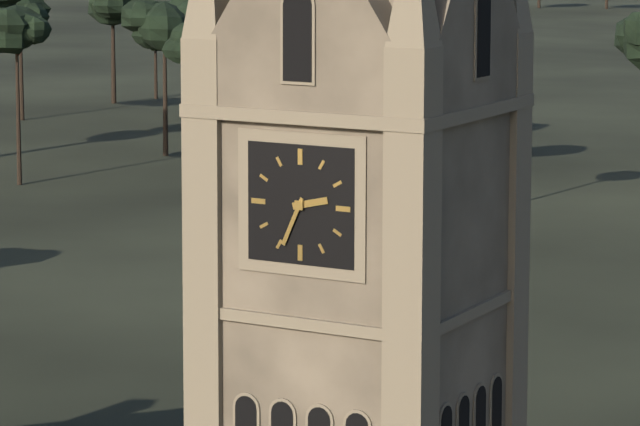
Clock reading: {"hour": 2, "minute": 34}
